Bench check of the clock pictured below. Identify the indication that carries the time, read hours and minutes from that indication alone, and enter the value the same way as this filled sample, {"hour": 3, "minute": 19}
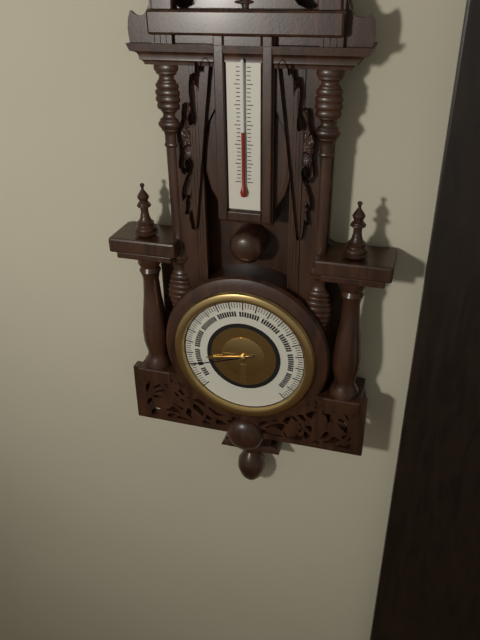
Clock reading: {"hour": 8, "minute": 42}
